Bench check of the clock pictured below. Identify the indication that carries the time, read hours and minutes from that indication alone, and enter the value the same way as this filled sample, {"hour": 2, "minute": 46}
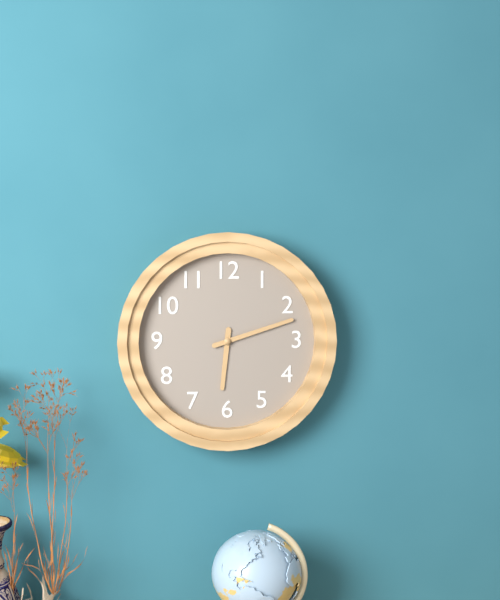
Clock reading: {"hour": 6, "minute": 12}
